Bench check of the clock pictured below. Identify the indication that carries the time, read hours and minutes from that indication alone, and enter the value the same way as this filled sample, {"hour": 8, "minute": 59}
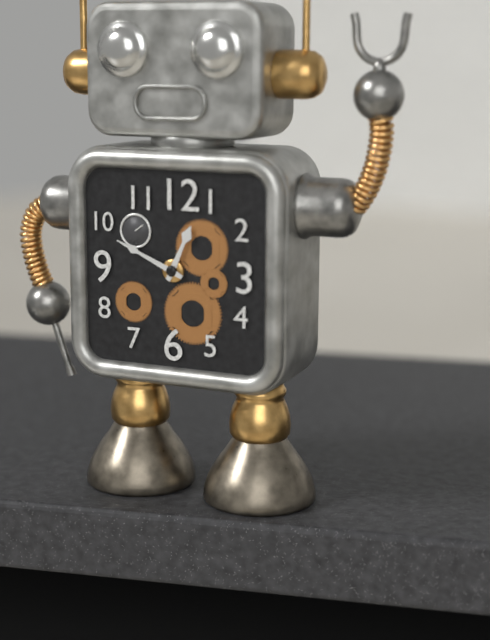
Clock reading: {"hour": 12, "minute": 49}
